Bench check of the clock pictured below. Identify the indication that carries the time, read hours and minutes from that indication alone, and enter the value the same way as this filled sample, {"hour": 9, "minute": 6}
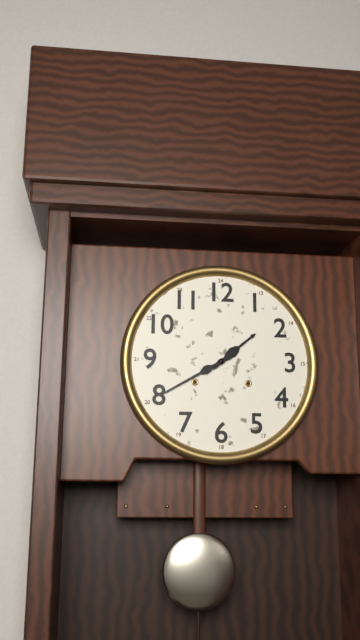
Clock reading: {"hour": 1, "minute": 40}
